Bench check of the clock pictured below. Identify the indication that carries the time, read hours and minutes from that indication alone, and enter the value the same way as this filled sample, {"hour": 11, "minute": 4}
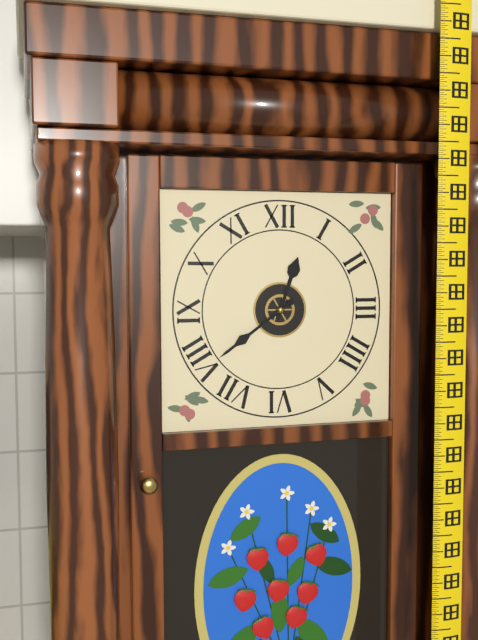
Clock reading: {"hour": 12, "minute": 39}
